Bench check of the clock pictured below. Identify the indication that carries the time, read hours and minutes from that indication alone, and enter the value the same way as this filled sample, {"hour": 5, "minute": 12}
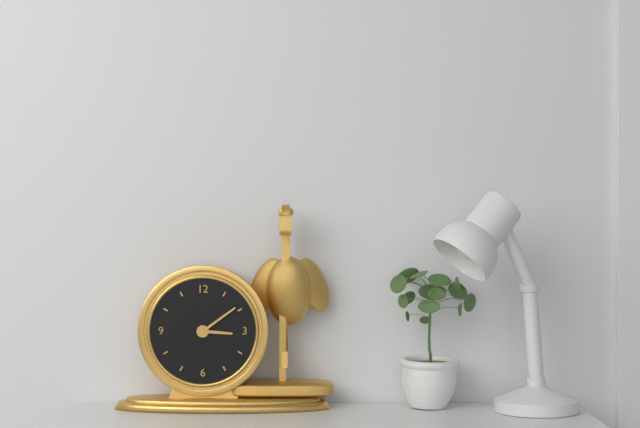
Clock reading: {"hour": 3, "minute": 9}
